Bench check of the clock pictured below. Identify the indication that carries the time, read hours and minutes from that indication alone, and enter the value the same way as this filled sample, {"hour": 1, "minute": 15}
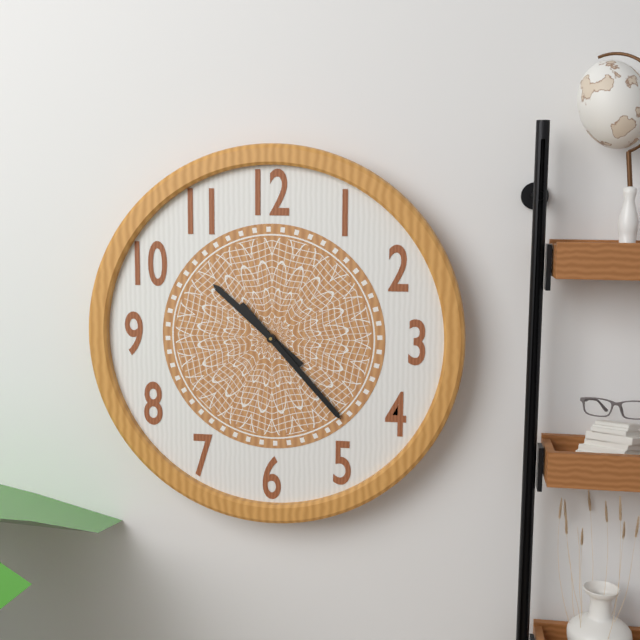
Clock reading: {"hour": 10, "minute": 23}
